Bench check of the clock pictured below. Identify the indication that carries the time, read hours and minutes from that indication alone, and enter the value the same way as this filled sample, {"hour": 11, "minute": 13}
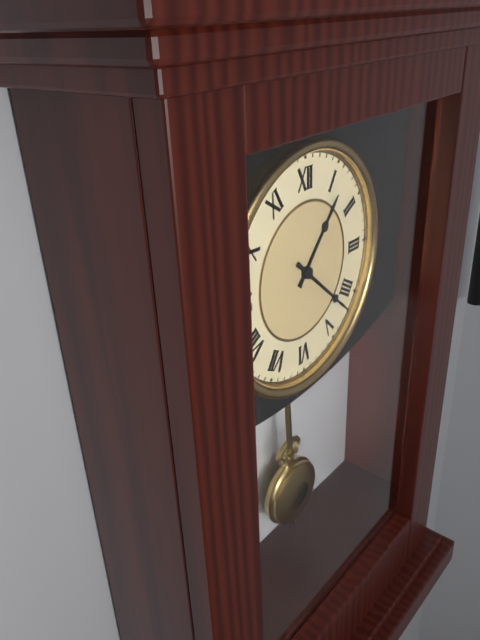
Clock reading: {"hour": 1, "minute": 22}
